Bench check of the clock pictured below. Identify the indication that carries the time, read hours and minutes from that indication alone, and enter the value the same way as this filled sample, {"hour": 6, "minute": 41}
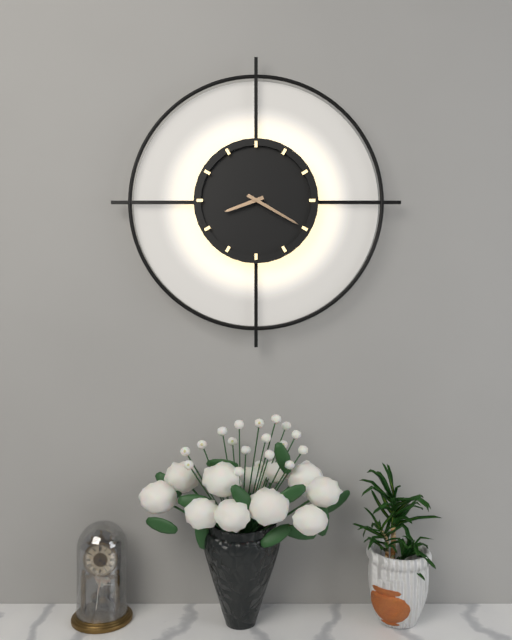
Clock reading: {"hour": 8, "minute": 20}
